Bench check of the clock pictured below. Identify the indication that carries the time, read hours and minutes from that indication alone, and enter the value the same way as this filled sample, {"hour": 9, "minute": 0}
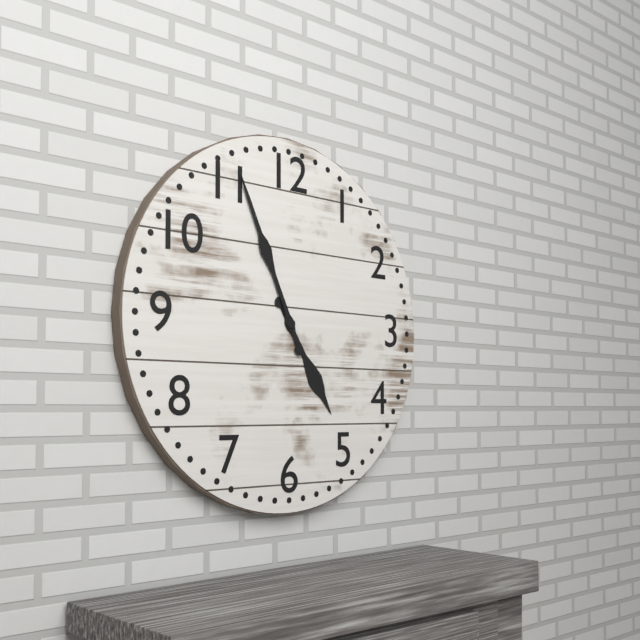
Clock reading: {"hour": 4, "minute": 56}
